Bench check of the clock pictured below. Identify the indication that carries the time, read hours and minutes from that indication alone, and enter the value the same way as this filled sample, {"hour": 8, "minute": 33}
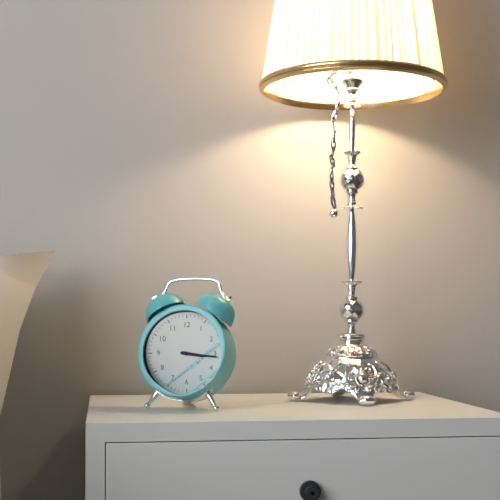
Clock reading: {"hour": 3, "minute": 16}
